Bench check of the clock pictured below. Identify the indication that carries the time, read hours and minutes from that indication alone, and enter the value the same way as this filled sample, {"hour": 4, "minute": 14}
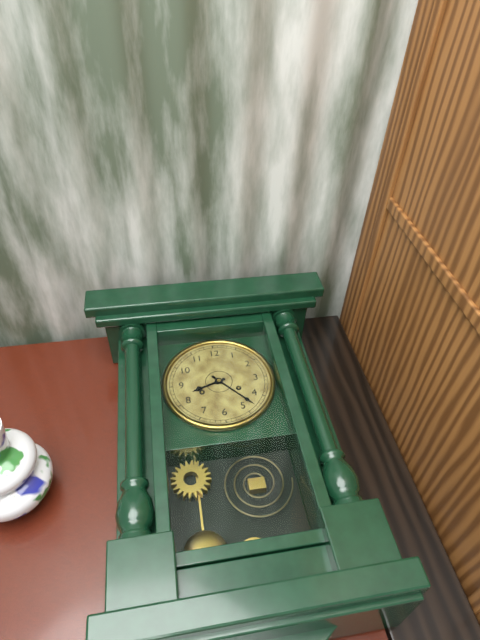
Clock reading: {"hour": 8, "minute": 23}
